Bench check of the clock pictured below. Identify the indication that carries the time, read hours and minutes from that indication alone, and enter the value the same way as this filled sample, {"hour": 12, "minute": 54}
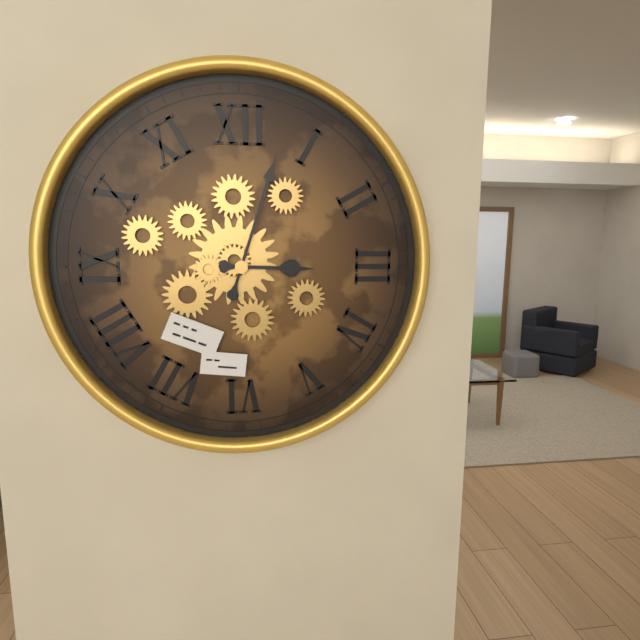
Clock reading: {"hour": 3, "minute": 3}
